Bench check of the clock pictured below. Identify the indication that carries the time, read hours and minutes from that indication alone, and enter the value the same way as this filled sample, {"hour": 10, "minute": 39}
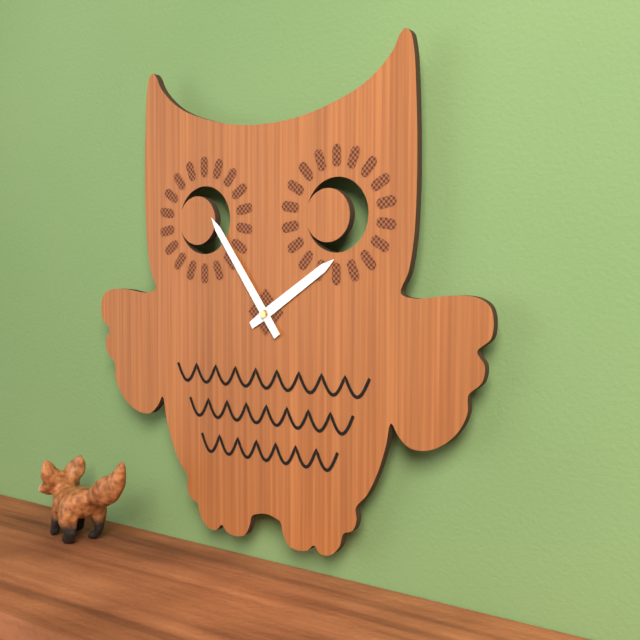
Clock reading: {"hour": 1, "minute": 54}
